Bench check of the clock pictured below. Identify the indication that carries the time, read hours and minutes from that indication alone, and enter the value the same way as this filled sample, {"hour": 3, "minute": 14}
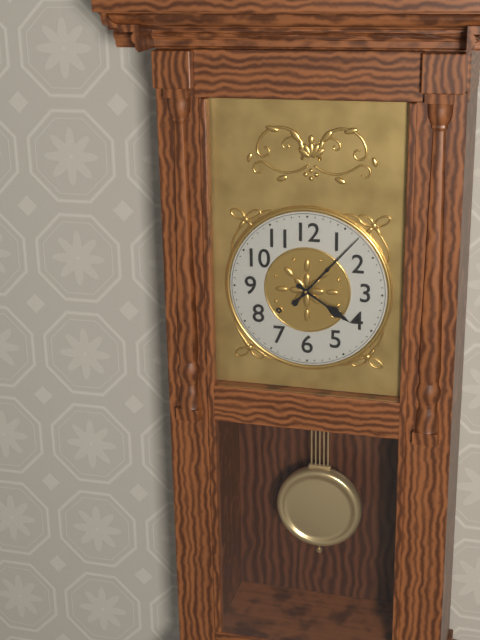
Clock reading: {"hour": 4, "minute": 7}
